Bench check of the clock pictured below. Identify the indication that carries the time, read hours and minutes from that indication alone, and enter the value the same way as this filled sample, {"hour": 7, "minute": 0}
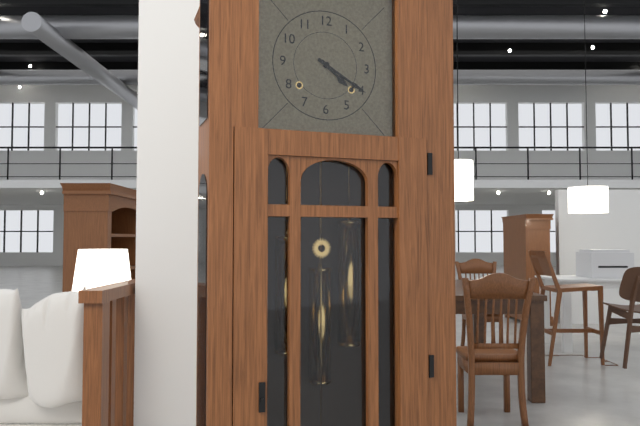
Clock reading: {"hour": 4, "minute": 20}
